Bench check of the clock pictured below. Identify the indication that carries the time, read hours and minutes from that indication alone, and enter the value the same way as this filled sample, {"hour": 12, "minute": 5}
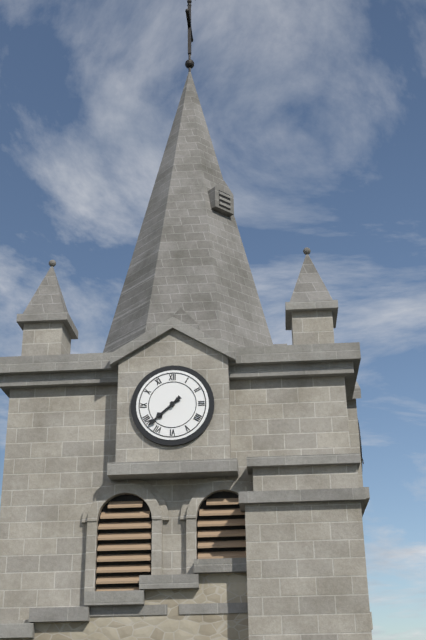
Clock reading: {"hour": 7, "minute": 38}
